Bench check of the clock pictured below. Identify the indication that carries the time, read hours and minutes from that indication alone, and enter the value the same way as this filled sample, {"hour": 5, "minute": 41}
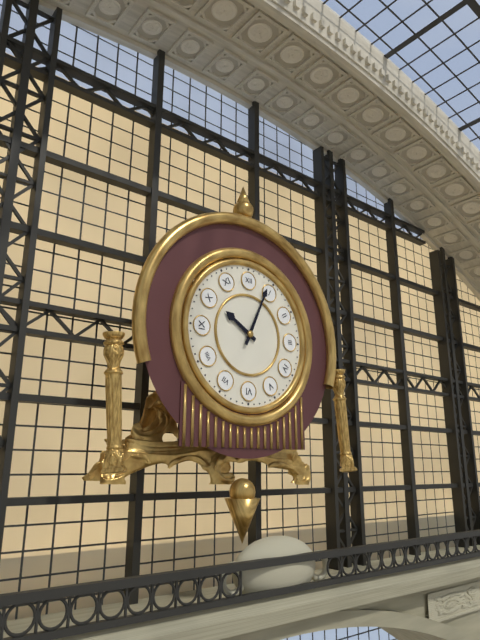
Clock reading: {"hour": 10, "minute": 4}
